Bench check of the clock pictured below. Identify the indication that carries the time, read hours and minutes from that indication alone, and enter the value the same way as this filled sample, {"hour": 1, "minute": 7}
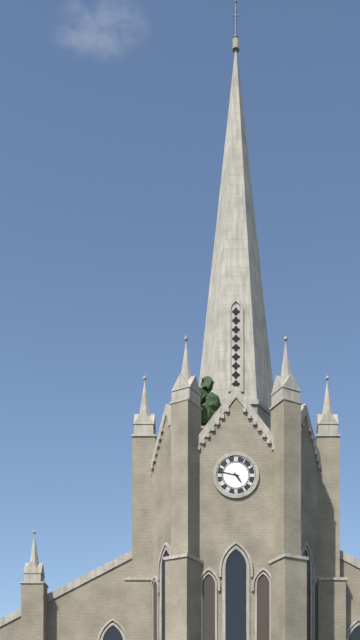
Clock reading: {"hour": 4, "minute": 47}
